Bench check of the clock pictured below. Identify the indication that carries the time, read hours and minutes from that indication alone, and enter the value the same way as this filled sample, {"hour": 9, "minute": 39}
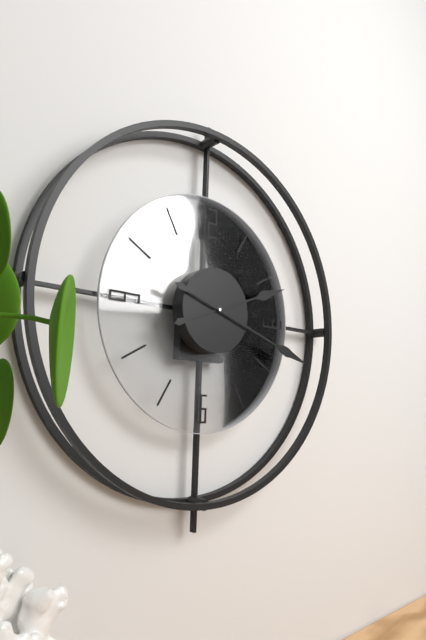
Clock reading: {"hour": 2, "minute": 18}
